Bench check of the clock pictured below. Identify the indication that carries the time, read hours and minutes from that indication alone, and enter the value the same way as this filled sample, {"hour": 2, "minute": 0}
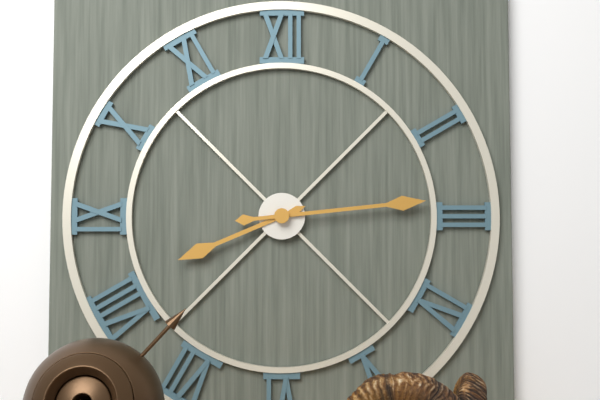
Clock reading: {"hour": 8, "minute": 14}
